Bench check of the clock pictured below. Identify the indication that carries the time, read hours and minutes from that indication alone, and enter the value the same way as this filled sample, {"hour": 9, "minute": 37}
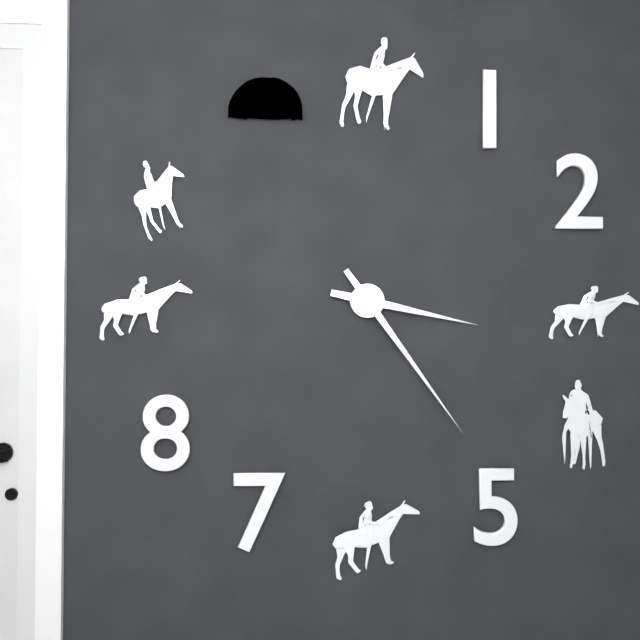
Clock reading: {"hour": 3, "minute": 24}
